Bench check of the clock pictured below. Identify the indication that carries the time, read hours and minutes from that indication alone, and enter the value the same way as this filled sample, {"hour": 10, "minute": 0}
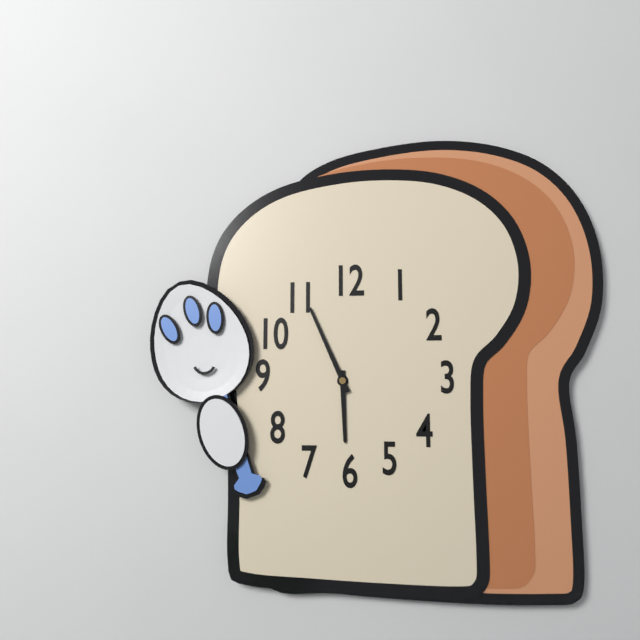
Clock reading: {"hour": 5, "minute": 56}
